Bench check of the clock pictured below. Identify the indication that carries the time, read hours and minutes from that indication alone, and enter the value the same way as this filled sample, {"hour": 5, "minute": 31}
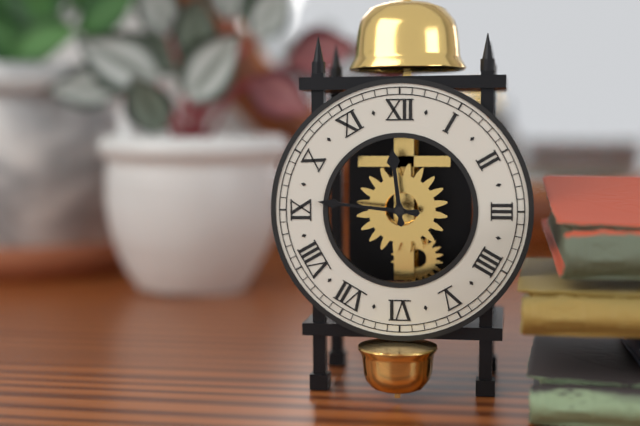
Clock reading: {"hour": 11, "minute": 46}
